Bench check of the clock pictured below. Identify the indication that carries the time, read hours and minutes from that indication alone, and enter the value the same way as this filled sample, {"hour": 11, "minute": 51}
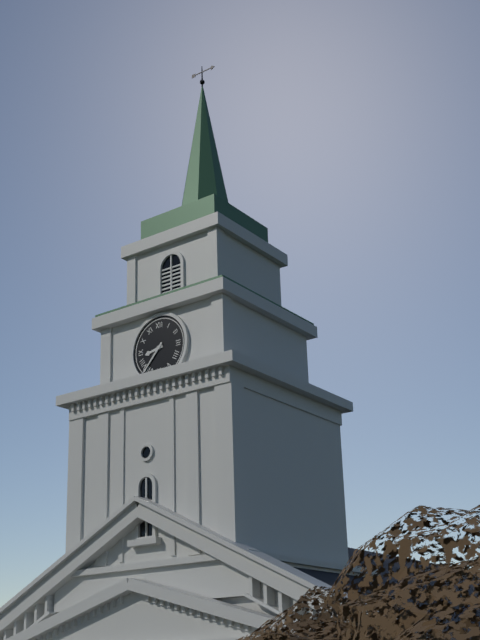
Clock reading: {"hour": 8, "minute": 37}
